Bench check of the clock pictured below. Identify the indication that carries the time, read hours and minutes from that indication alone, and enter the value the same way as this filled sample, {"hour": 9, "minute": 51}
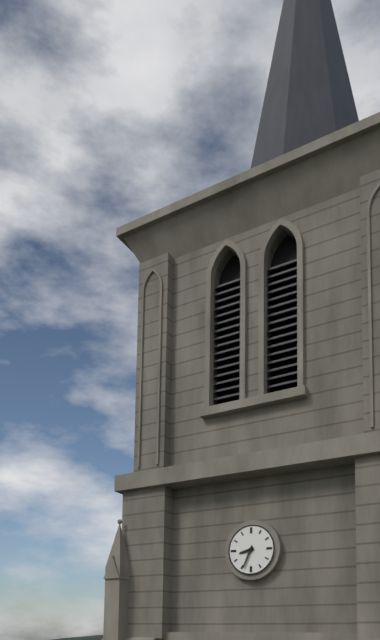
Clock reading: {"hour": 8, "minute": 34}
